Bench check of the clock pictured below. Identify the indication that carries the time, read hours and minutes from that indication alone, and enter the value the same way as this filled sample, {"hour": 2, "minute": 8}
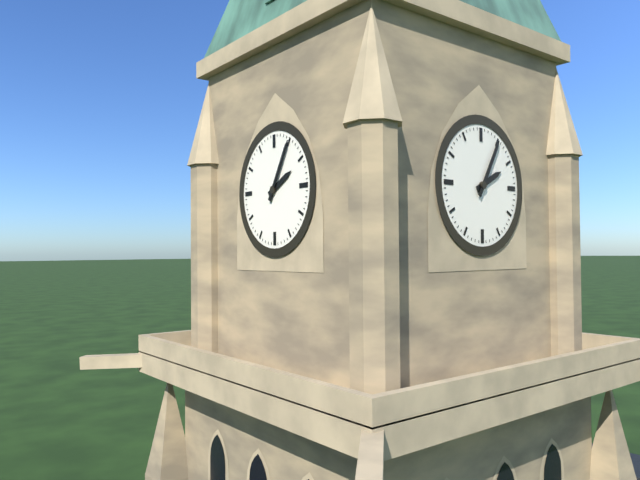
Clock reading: {"hour": 2, "minute": 5}
